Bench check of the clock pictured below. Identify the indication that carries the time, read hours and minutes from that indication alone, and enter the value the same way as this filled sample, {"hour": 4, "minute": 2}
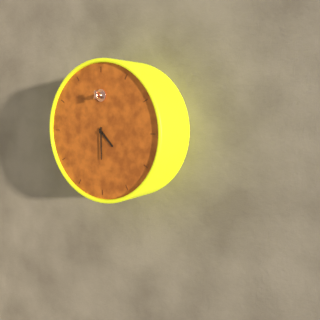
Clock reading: {"hour": 4, "minute": 30}
